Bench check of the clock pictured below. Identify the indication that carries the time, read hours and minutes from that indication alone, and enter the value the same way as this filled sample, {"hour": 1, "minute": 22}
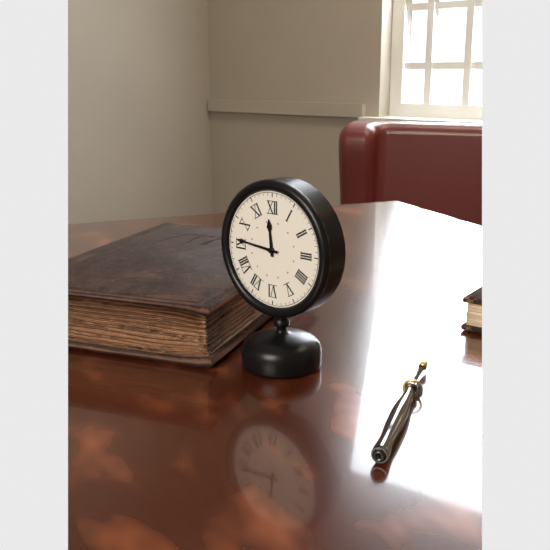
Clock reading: {"hour": 11, "minute": 46}
